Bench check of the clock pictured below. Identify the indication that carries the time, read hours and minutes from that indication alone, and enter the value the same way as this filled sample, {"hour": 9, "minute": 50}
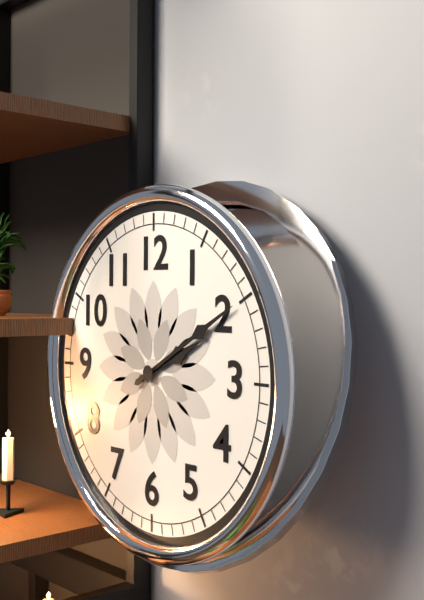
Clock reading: {"hour": 2, "minute": 10}
